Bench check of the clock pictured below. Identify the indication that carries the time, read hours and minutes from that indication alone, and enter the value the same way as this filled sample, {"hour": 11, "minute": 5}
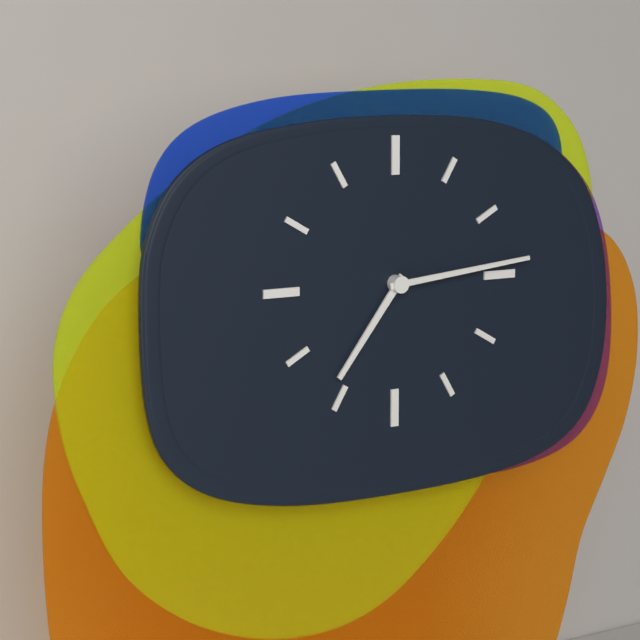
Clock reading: {"hour": 7, "minute": 14}
